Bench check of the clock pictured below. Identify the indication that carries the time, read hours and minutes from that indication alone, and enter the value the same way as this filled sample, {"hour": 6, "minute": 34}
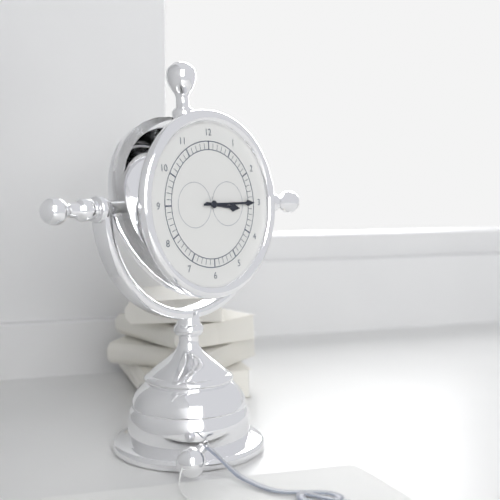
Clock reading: {"hour": 3, "minute": 15}
